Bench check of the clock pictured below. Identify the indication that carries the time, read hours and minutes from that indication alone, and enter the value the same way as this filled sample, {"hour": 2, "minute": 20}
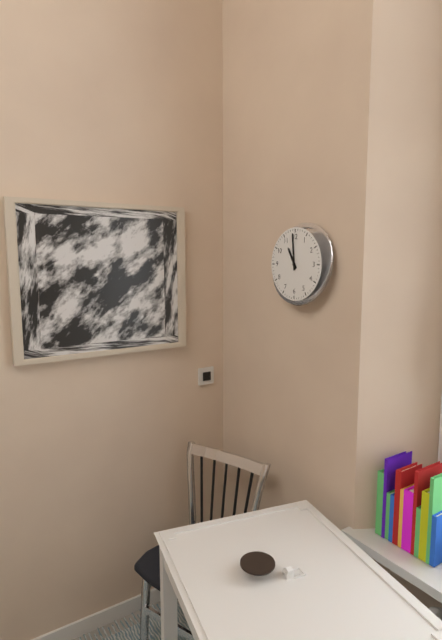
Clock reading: {"hour": 10, "minute": 59}
